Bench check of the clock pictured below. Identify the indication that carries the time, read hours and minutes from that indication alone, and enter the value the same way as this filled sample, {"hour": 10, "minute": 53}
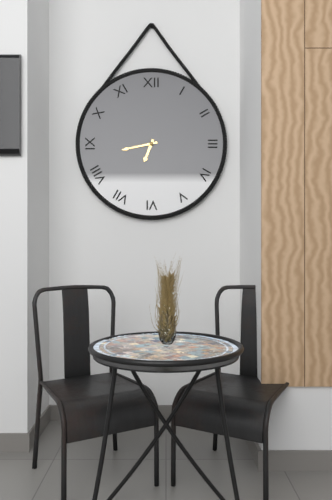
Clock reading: {"hour": 6, "minute": 43}
